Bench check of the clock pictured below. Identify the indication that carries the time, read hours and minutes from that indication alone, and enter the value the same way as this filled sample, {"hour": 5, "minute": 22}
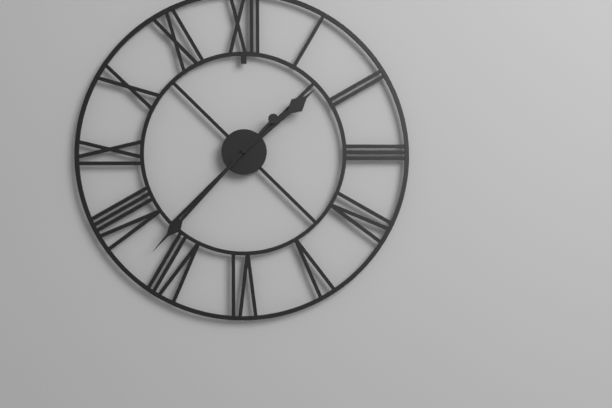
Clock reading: {"hour": 1, "minute": 37}
